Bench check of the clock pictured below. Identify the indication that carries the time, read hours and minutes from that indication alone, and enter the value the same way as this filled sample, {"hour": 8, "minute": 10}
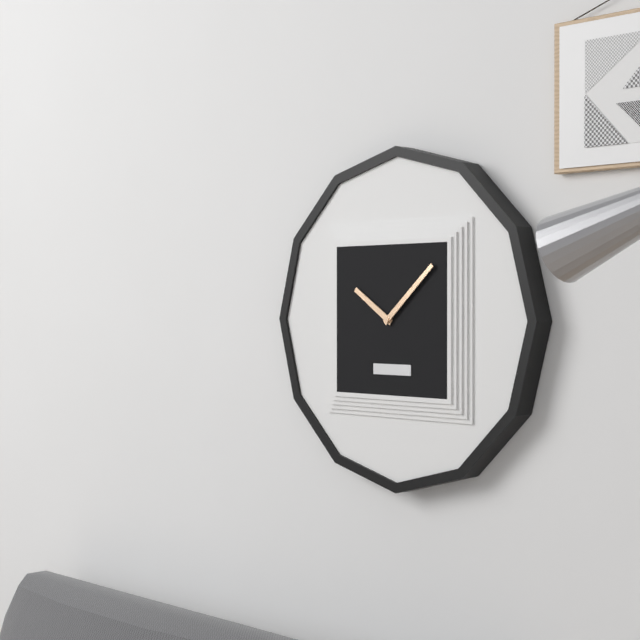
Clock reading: {"hour": 10, "minute": 8}
